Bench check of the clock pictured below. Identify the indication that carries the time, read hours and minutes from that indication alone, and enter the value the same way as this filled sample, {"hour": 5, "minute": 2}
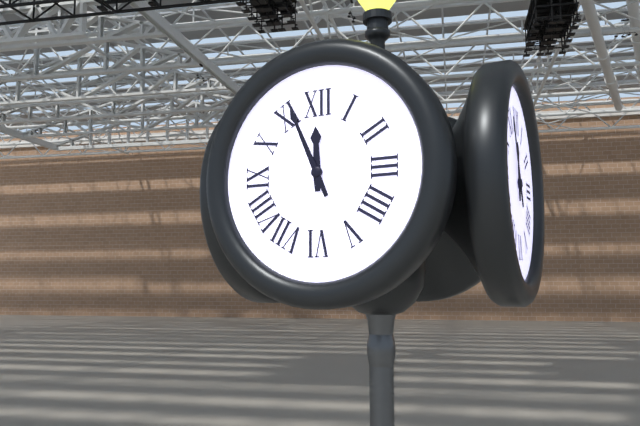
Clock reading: {"hour": 11, "minute": 56}
